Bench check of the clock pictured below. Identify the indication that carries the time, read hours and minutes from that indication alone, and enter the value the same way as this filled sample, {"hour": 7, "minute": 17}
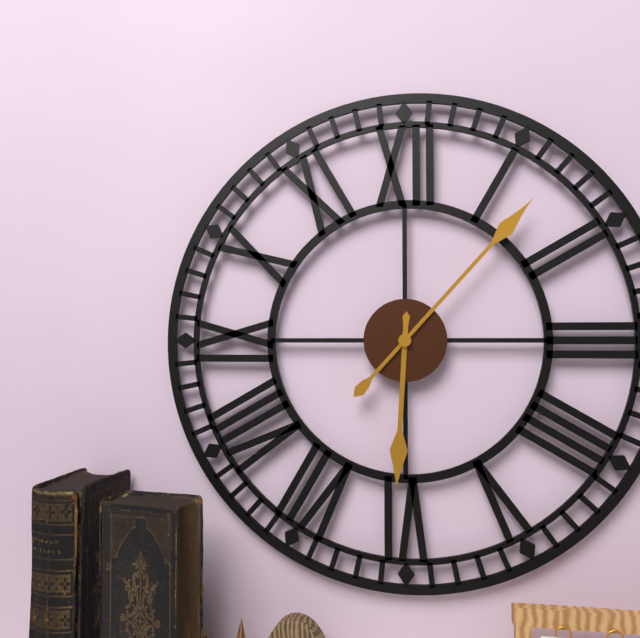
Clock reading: {"hour": 6, "minute": 7}
